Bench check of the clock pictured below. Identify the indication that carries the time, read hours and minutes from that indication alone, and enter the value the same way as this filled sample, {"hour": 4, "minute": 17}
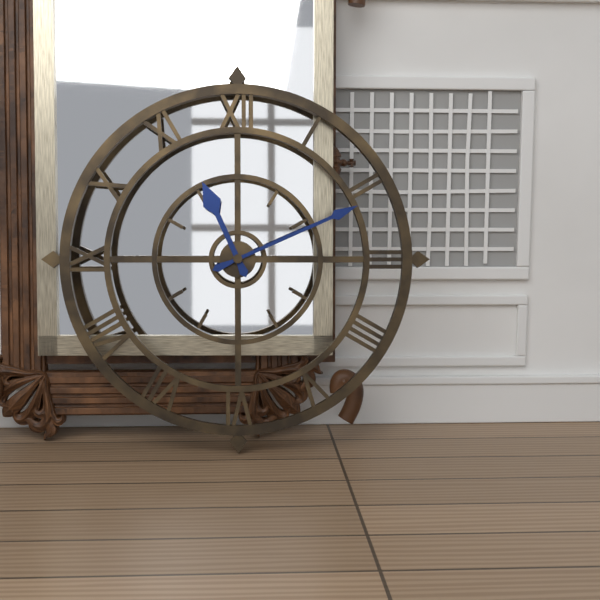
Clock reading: {"hour": 11, "minute": 11}
